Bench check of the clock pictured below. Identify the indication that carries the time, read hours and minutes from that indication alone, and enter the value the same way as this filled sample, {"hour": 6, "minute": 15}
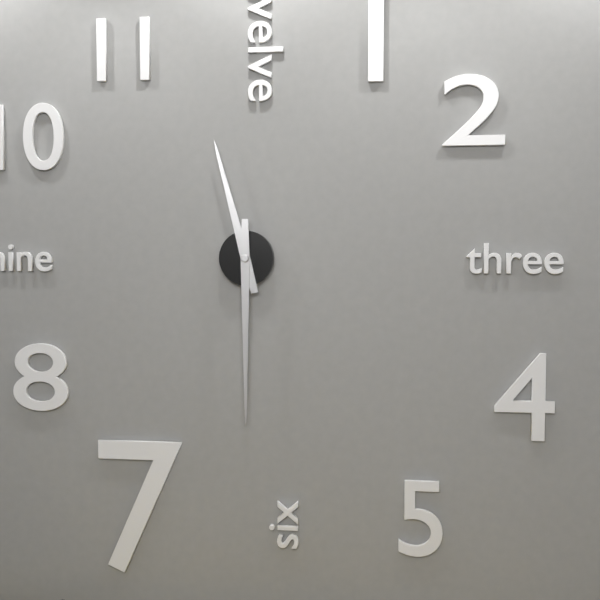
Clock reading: {"hour": 11, "minute": 30}
